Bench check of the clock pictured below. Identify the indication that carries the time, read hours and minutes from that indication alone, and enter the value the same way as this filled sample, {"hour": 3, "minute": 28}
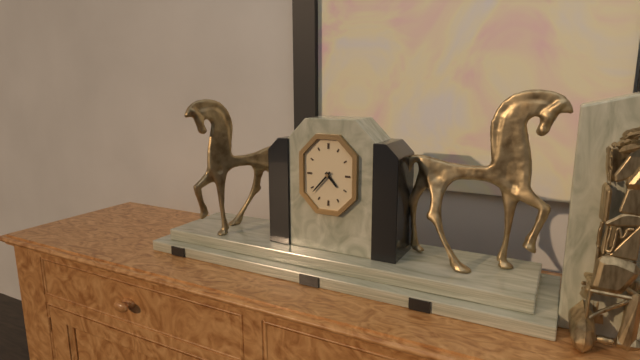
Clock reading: {"hour": 4, "minute": 37}
